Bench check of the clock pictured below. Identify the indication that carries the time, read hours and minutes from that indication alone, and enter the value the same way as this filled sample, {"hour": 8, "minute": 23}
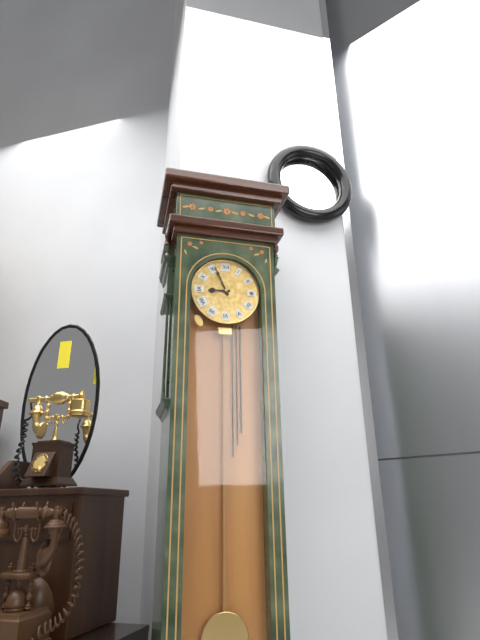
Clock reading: {"hour": 8, "minute": 56}
